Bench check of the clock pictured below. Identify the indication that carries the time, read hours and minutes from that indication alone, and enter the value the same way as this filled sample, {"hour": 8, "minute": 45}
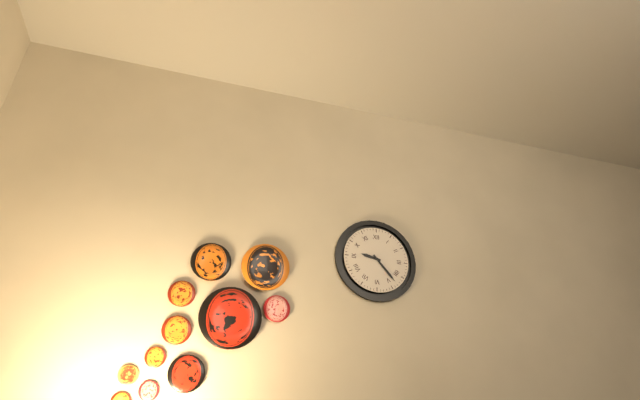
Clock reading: {"hour": 9, "minute": 23}
